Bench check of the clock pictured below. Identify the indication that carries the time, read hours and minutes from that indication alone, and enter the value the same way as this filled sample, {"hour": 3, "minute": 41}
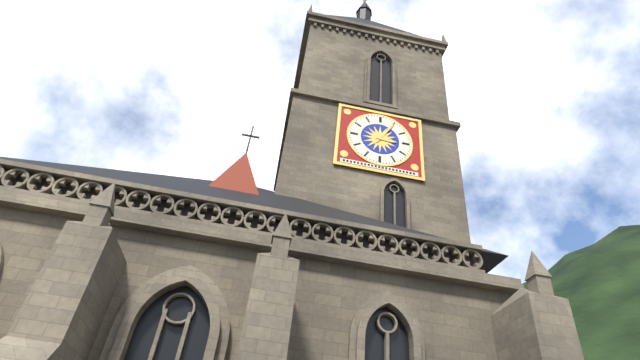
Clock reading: {"hour": 3, "minute": 5}
